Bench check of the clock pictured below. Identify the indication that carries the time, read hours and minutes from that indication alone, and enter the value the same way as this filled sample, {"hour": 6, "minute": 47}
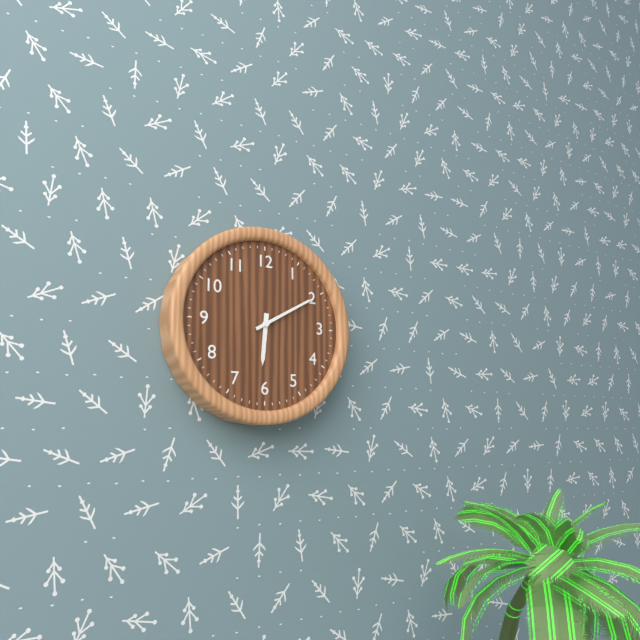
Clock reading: {"hour": 6, "minute": 10}
